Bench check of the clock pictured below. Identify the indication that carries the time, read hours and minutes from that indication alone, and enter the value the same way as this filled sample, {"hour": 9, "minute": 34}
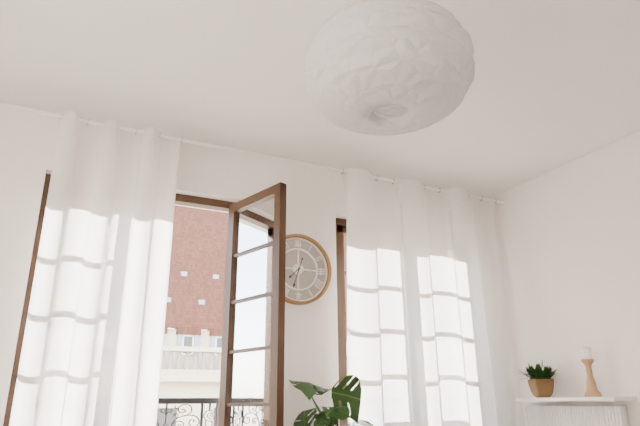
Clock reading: {"hour": 7, "minute": 33}
